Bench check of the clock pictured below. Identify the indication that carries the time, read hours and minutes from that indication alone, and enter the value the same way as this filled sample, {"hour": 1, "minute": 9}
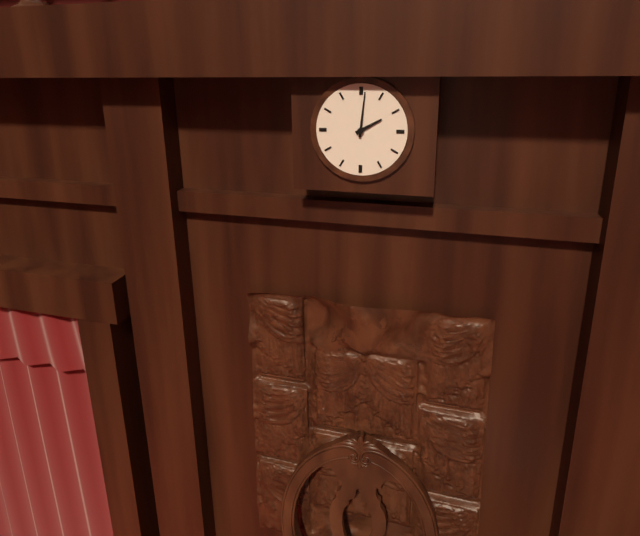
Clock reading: {"hour": 2, "minute": 1}
